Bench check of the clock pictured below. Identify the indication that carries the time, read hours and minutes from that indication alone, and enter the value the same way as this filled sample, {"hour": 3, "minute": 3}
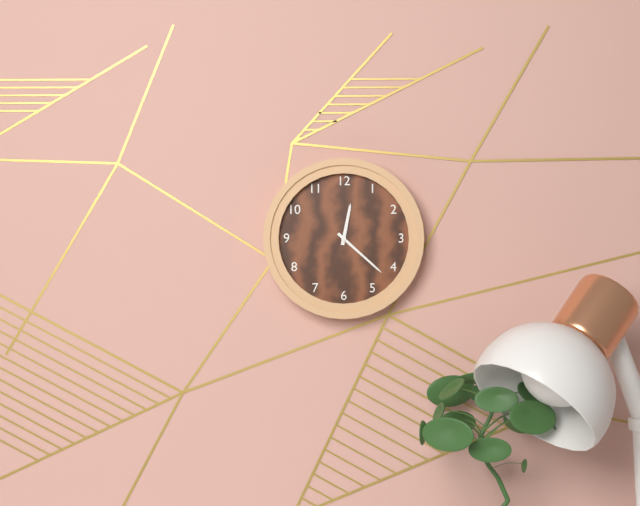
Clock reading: {"hour": 12, "minute": 22}
